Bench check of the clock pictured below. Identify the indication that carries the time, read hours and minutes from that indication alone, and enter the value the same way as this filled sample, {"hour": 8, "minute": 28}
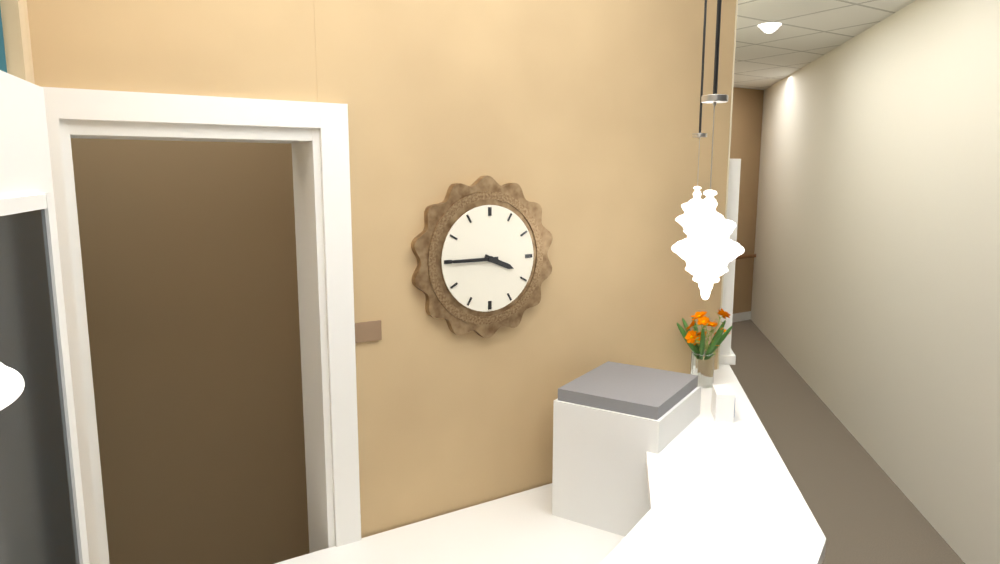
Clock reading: {"hour": 3, "minute": 45}
